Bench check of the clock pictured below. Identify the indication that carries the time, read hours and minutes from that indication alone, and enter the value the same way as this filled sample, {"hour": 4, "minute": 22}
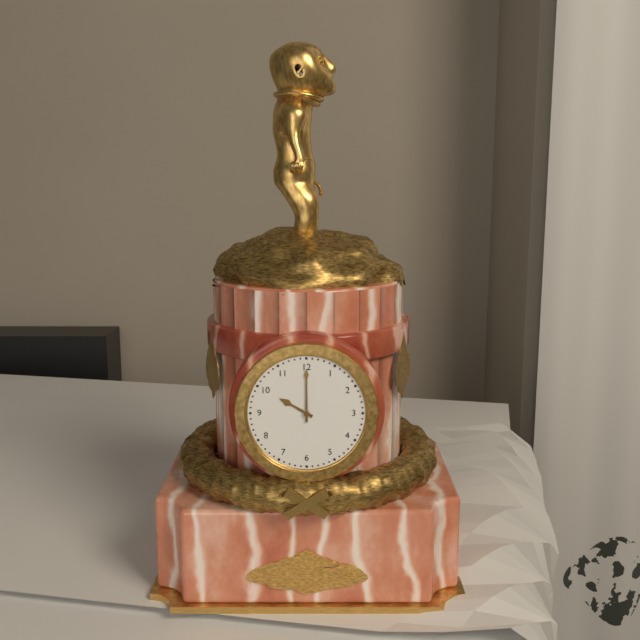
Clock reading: {"hour": 10, "minute": 0}
